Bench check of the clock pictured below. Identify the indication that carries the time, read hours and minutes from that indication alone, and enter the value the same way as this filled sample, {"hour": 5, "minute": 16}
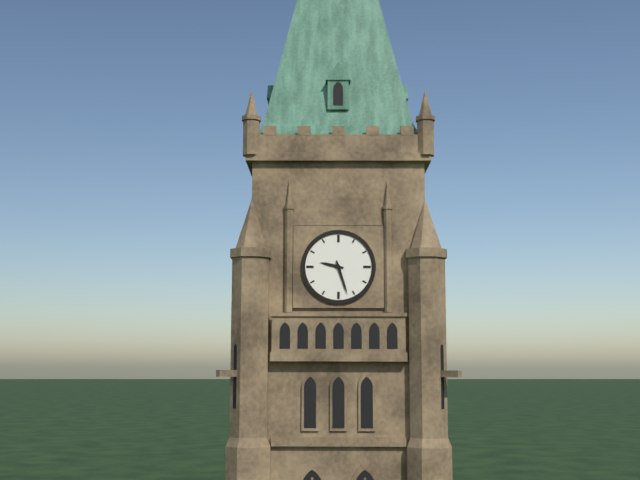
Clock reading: {"hour": 9, "minute": 27}
